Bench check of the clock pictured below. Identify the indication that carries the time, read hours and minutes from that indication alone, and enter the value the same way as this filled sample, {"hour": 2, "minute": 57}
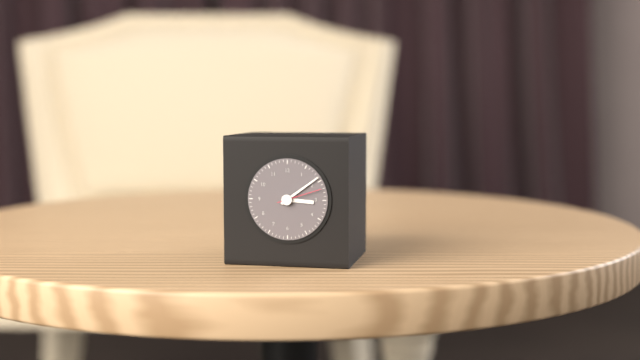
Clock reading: {"hour": 3, "minute": 9}
